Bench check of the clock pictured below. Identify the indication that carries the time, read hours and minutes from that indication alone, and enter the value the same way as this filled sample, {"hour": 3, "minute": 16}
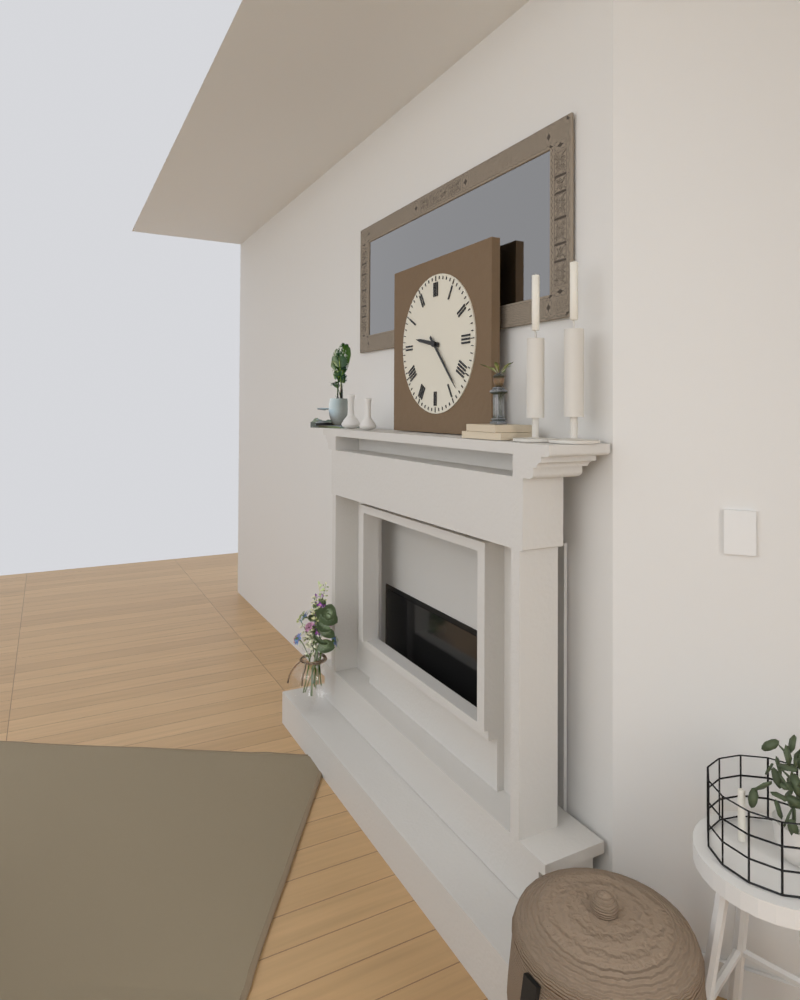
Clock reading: {"hour": 9, "minute": 23}
